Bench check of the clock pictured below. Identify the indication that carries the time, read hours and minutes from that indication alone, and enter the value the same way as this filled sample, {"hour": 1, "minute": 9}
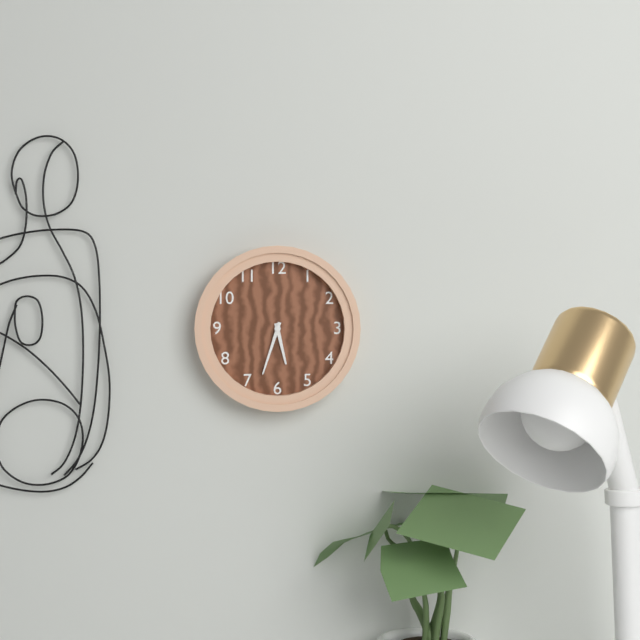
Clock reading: {"hour": 5, "minute": 33}
